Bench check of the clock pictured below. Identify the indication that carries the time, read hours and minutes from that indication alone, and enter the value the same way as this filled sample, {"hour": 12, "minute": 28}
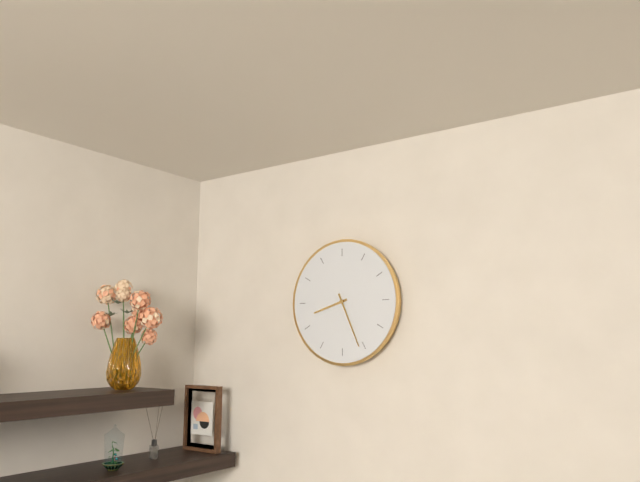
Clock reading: {"hour": 8, "minute": 26}
